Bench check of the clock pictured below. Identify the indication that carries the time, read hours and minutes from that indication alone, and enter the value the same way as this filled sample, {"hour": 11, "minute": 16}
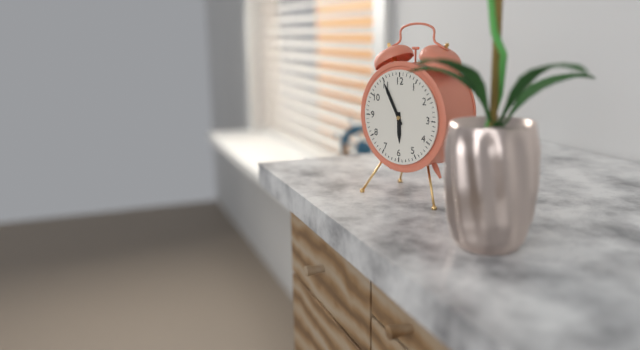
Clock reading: {"hour": 5, "minute": 55}
